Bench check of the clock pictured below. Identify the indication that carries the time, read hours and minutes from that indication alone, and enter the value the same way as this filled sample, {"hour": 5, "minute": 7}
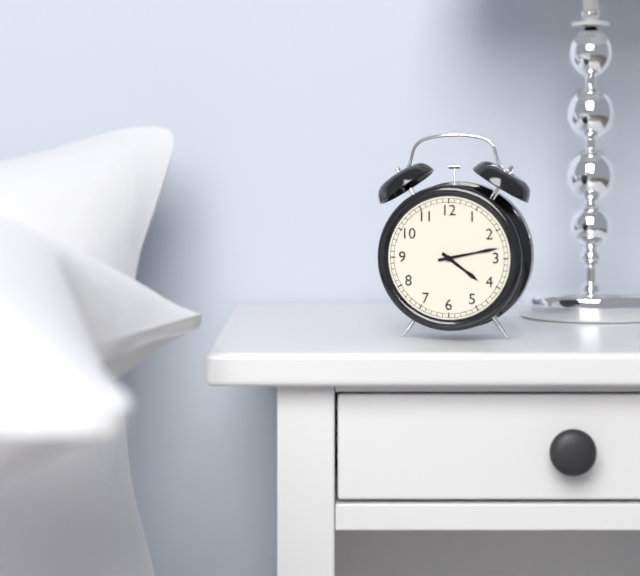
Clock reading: {"hour": 4, "minute": 13}
